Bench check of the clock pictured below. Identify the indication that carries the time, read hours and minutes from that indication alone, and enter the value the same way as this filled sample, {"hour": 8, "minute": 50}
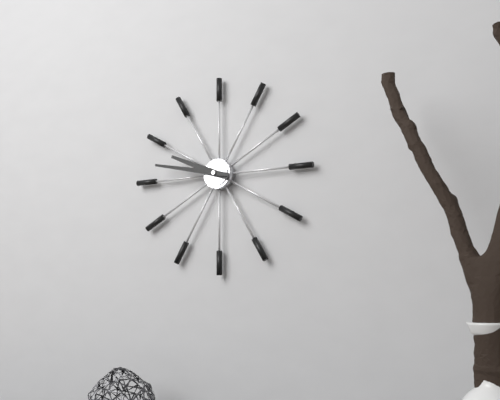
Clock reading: {"hour": 9, "minute": 47}
